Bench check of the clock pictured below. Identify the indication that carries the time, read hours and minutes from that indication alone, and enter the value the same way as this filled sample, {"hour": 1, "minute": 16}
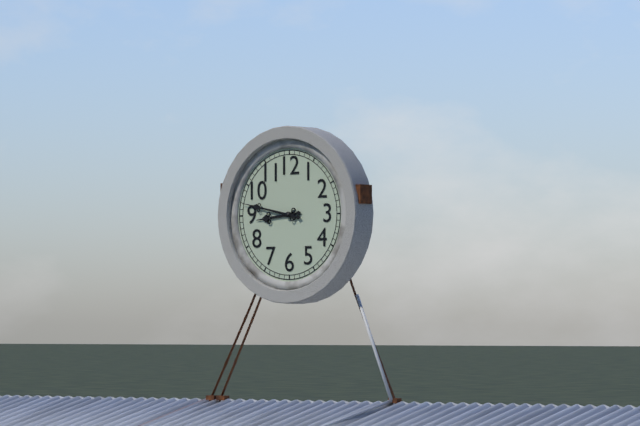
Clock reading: {"hour": 8, "minute": 47}
